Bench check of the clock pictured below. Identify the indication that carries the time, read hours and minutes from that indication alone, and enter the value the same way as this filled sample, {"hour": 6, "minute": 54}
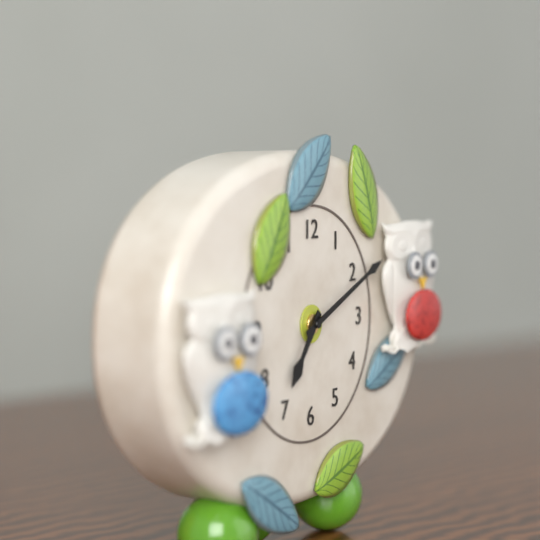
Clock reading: {"hour": 7, "minute": 11}
